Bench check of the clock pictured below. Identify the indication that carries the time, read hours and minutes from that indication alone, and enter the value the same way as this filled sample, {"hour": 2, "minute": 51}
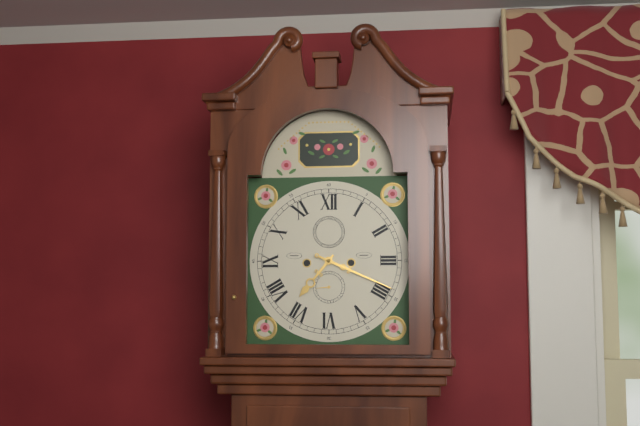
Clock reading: {"hour": 7, "minute": 19}
